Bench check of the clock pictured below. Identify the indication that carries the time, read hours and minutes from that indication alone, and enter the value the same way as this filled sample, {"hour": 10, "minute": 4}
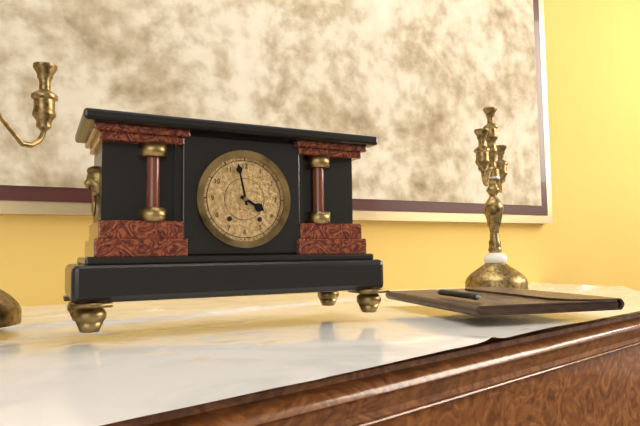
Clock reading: {"hour": 3, "minute": 58}
